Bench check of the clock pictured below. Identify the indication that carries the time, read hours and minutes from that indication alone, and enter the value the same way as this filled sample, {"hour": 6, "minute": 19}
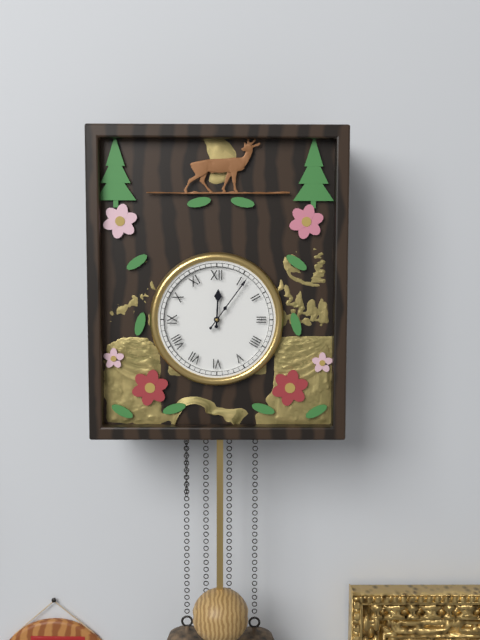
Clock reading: {"hour": 12, "minute": 6}
